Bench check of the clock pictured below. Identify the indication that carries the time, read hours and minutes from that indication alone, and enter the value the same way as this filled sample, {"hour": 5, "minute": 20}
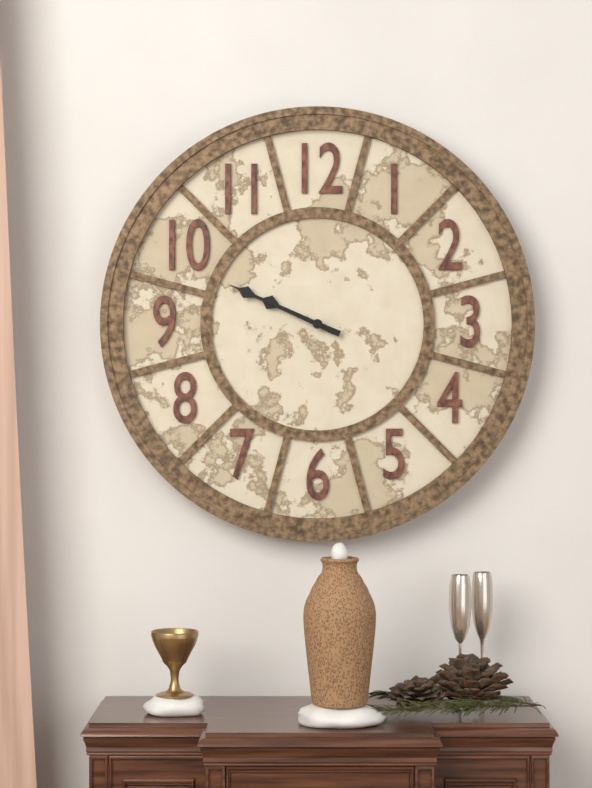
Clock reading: {"hour": 9, "minute": 49}
